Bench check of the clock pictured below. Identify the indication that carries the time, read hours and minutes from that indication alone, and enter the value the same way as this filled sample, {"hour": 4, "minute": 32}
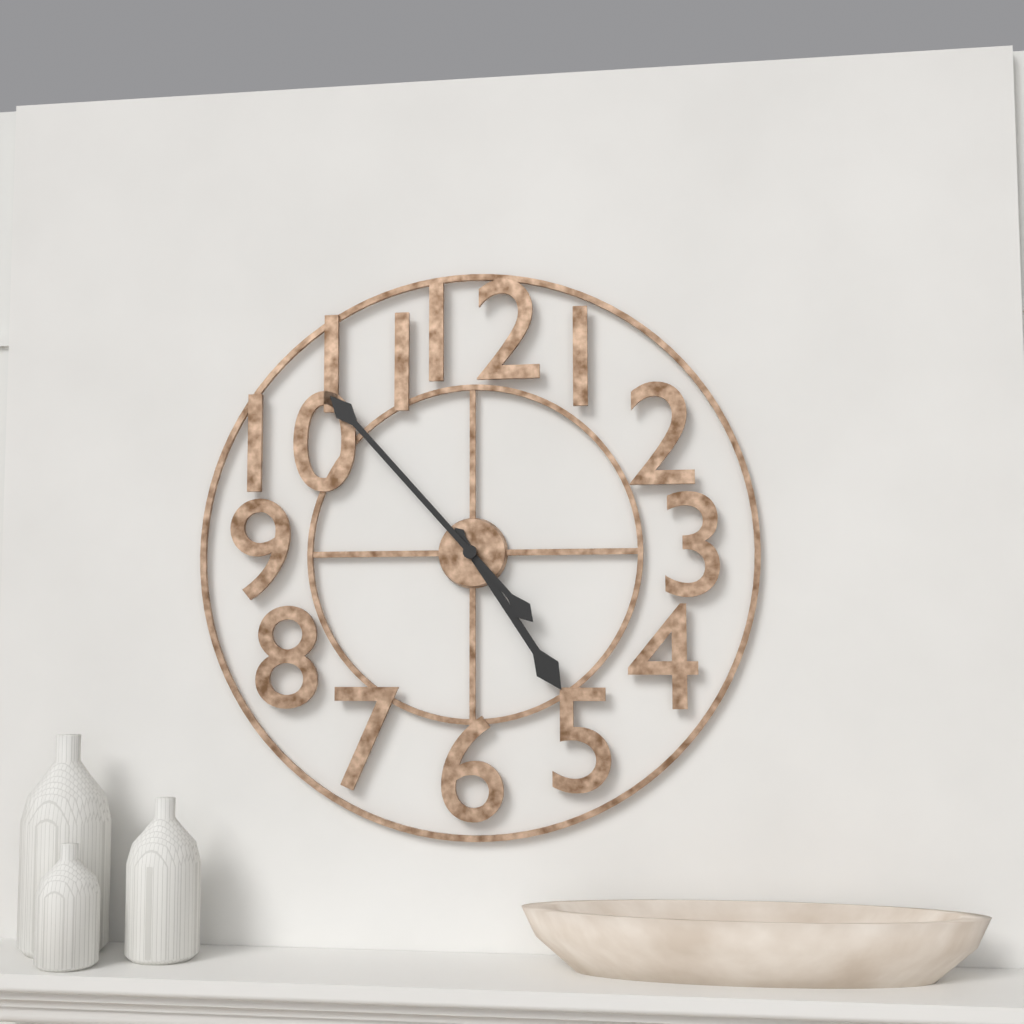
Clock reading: {"hour": 4, "minute": 53}
